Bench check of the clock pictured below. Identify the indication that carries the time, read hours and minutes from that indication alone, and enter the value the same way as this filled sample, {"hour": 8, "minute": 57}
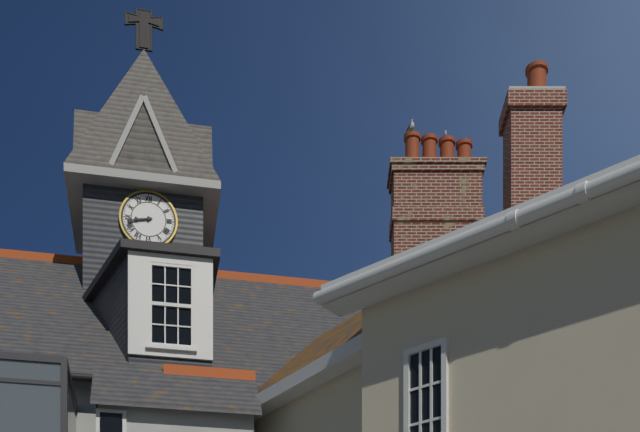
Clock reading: {"hour": 8, "minute": 43}
